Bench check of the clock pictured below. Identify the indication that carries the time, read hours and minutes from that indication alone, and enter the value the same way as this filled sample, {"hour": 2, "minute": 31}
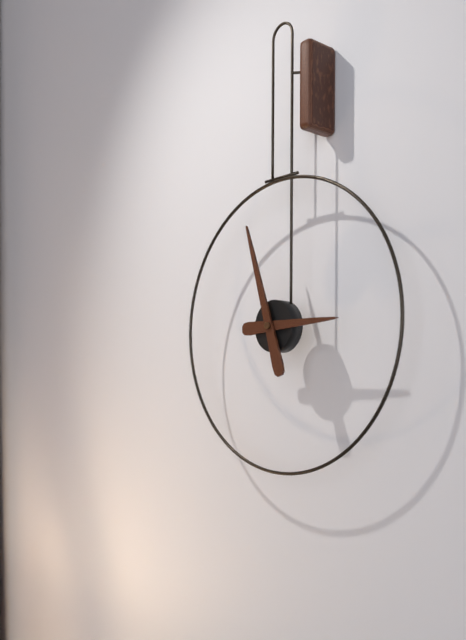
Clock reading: {"hour": 2, "minute": 57}
